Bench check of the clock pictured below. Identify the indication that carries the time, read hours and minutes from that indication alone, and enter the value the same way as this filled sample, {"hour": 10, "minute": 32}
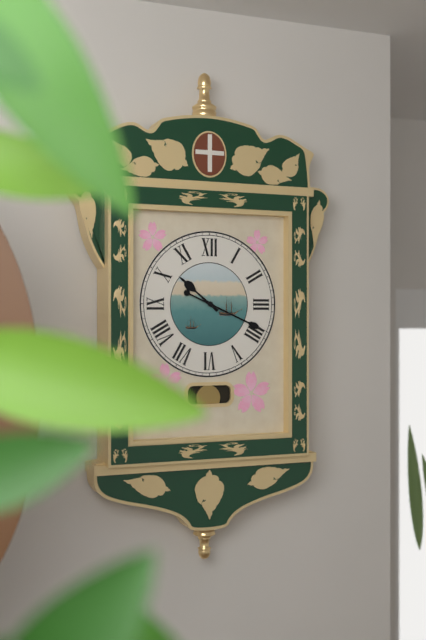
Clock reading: {"hour": 10, "minute": 19}
